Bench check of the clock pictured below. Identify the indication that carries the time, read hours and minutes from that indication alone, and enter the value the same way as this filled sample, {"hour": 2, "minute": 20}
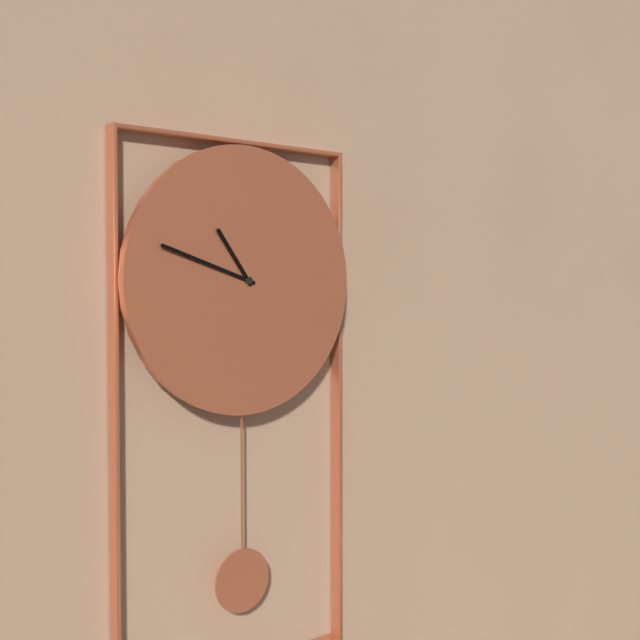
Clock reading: {"hour": 10, "minute": 48}
